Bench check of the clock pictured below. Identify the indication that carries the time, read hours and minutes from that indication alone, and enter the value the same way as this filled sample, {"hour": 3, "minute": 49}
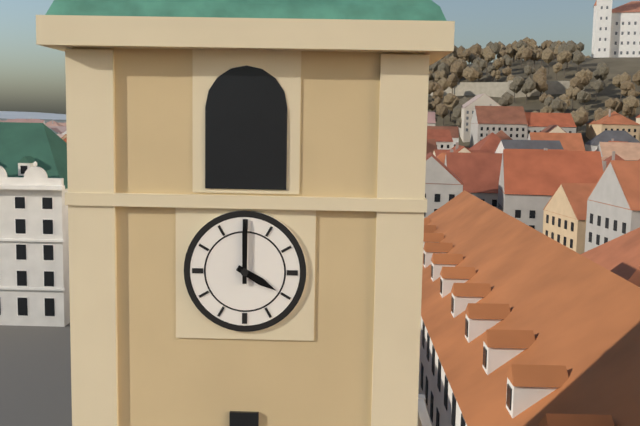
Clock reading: {"hour": 4, "minute": 0}
